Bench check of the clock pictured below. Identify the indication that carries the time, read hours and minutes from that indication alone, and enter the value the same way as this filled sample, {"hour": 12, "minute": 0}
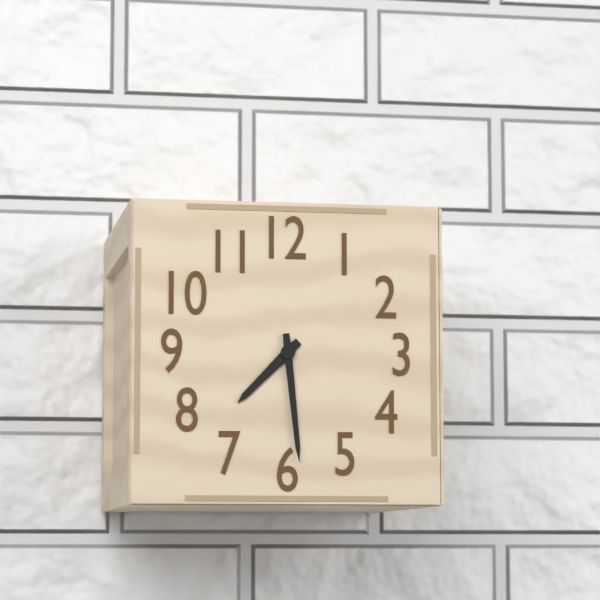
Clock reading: {"hour": 7, "minute": 29}
